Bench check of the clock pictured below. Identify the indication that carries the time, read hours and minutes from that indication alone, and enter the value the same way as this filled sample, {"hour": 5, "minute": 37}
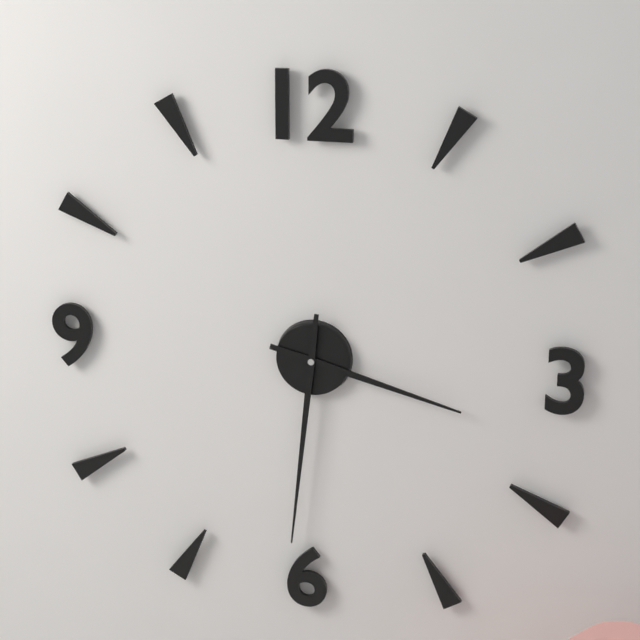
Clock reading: {"hour": 3, "minute": 31}
